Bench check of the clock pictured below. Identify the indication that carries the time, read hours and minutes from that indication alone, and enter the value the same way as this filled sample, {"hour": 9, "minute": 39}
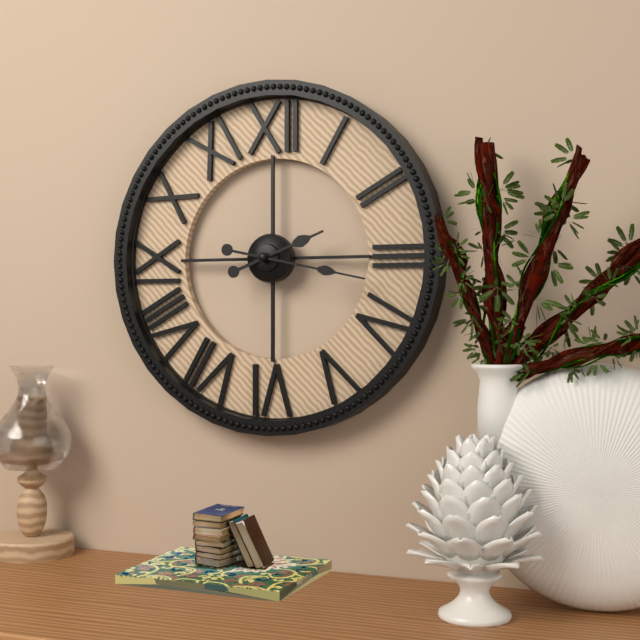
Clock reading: {"hour": 2, "minute": 17}
